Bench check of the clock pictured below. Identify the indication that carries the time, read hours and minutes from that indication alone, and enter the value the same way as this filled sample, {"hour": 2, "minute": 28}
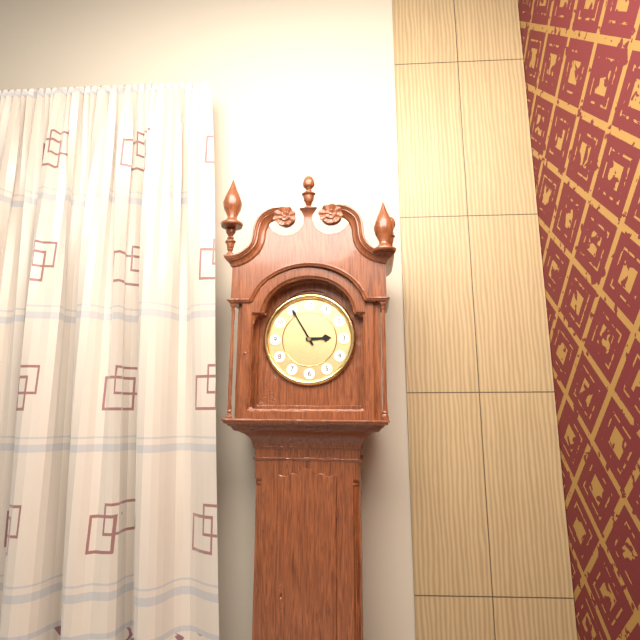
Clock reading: {"hour": 2, "minute": 55}
